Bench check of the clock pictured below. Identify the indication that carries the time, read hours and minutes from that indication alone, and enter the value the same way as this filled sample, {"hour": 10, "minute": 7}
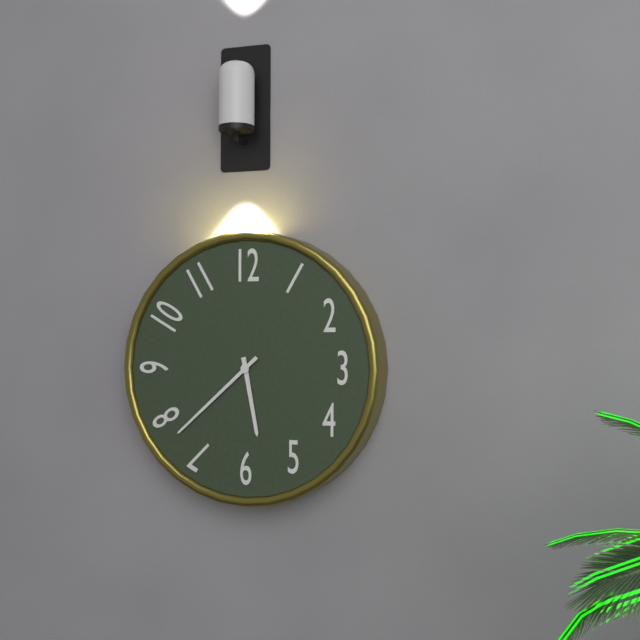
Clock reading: {"hour": 5, "minute": 38}
